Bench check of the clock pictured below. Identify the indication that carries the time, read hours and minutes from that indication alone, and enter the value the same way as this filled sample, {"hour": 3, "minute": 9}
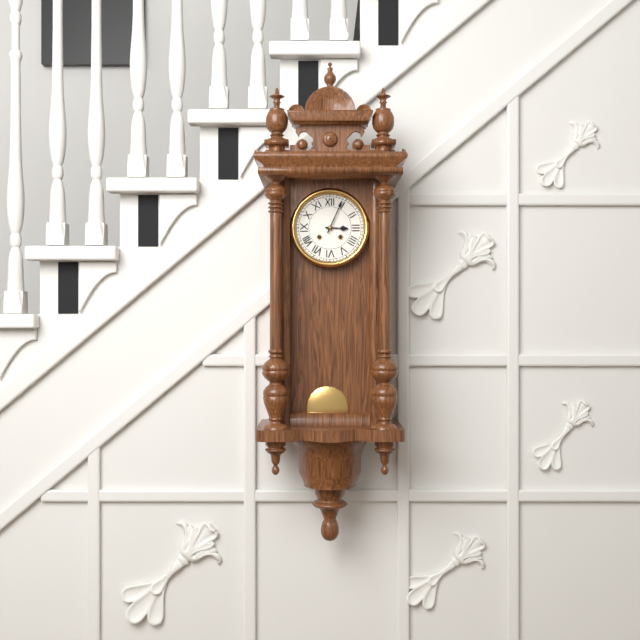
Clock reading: {"hour": 3, "minute": 4}
